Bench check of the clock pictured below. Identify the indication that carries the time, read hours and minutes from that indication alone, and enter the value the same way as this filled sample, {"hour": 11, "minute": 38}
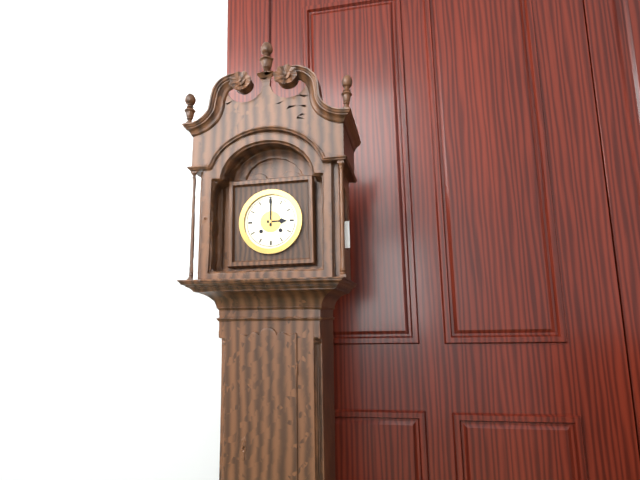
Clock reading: {"hour": 3, "minute": 0}
